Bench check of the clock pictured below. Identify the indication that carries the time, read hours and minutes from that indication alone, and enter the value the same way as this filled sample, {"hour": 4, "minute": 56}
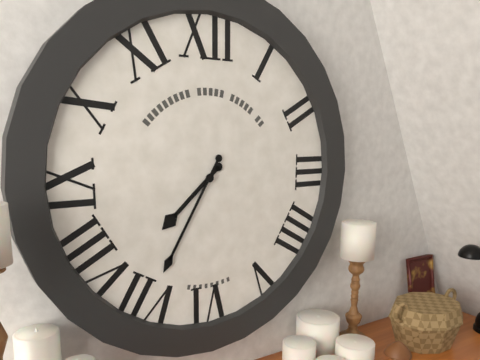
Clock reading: {"hour": 7, "minute": 35}
